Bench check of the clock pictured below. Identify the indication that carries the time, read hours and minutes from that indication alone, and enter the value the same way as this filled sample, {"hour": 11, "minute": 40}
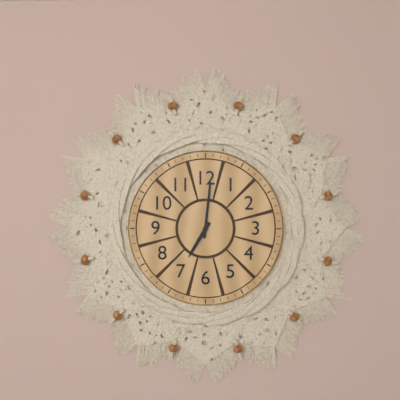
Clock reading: {"hour": 7, "minute": 1}
